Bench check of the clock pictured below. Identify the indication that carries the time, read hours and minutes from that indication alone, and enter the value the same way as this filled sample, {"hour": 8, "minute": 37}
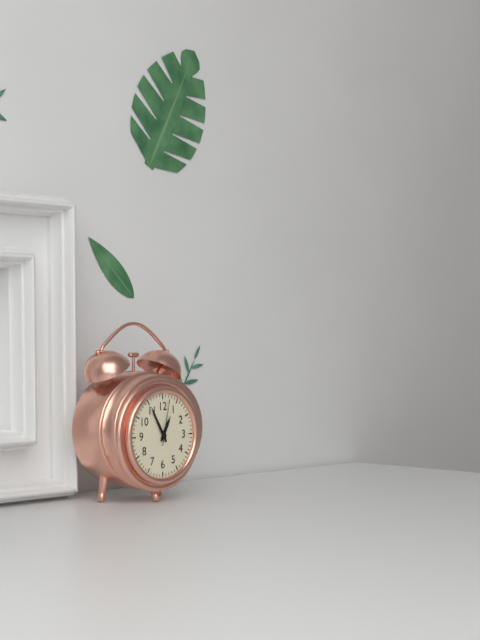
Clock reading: {"hour": 12, "minute": 55}
